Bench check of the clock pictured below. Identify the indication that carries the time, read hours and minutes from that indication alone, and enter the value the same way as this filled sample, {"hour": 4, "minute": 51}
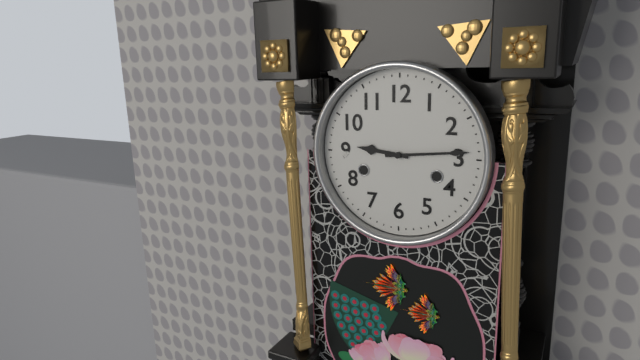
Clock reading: {"hour": 9, "minute": 14}
